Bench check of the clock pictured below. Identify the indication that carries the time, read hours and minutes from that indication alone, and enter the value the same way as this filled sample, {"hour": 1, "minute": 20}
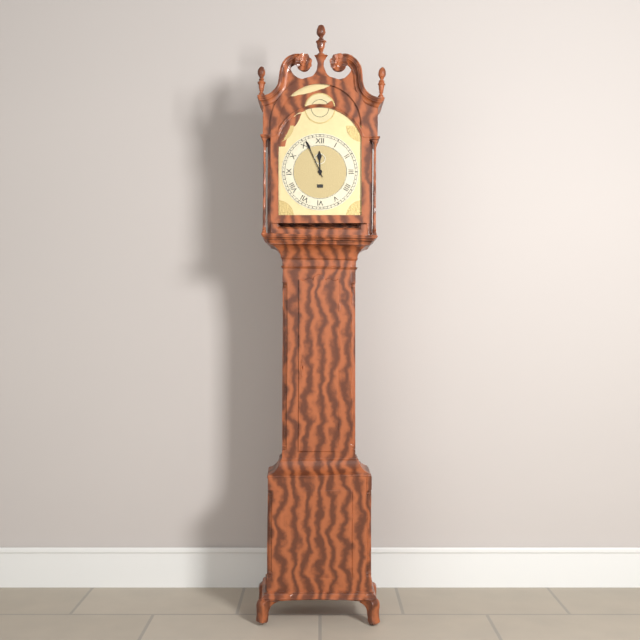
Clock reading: {"hour": 11, "minute": 56}
